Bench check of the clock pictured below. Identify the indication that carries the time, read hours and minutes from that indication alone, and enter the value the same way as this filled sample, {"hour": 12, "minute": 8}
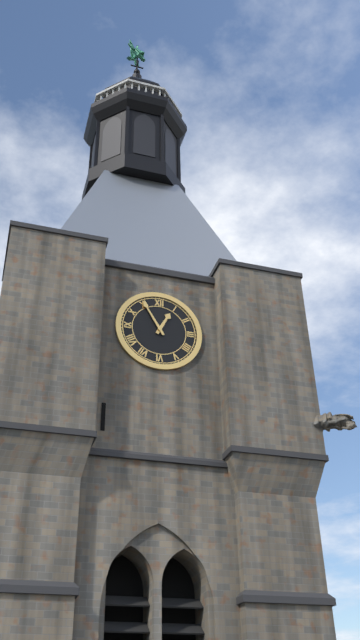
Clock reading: {"hour": 12, "minute": 55}
